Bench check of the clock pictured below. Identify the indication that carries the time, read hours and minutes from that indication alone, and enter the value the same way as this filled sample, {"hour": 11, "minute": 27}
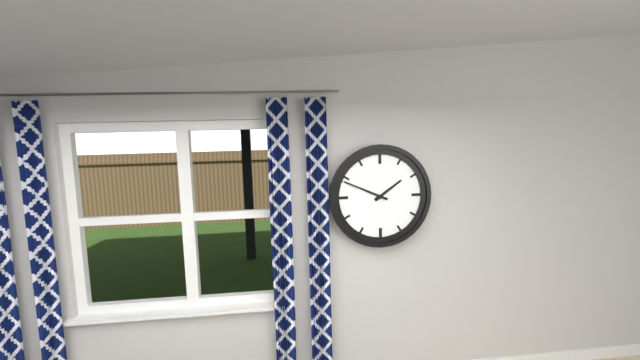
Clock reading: {"hour": 1, "minute": 49}
